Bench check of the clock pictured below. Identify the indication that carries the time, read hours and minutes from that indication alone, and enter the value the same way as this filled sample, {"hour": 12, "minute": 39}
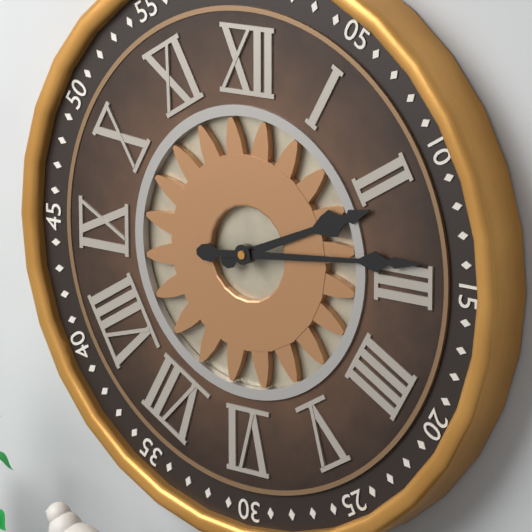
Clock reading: {"hour": 2, "minute": 14}
